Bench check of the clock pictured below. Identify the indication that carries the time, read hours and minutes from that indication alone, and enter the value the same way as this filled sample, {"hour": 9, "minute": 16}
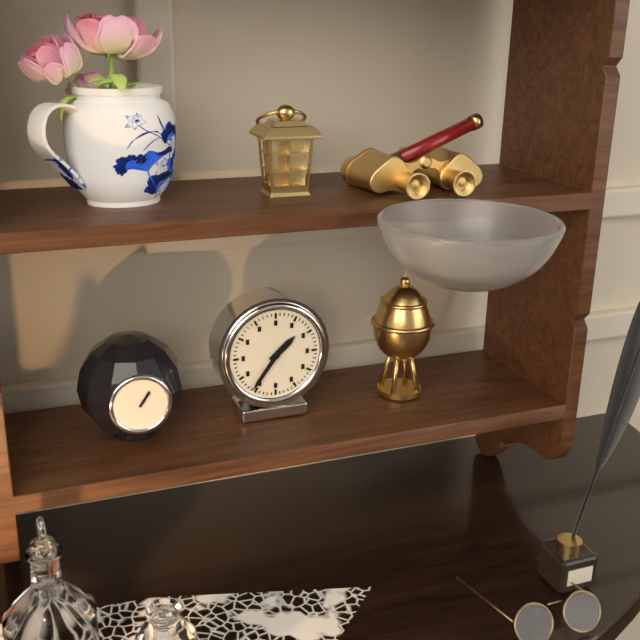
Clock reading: {"hour": 1, "minute": 36}
